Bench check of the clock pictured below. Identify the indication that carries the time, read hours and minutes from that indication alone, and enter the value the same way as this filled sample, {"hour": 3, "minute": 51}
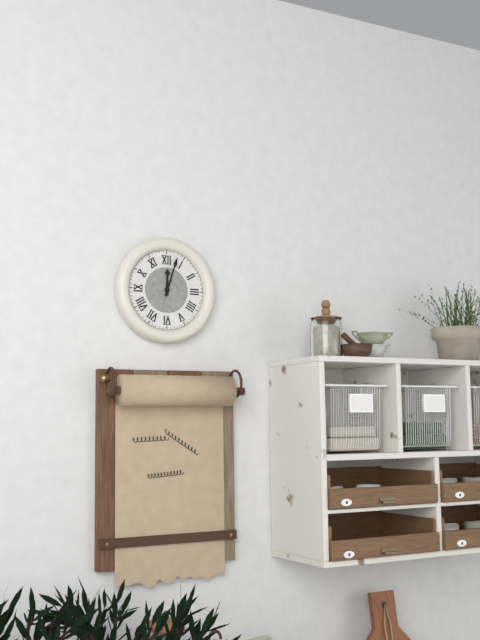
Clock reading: {"hour": 12, "minute": 3}
